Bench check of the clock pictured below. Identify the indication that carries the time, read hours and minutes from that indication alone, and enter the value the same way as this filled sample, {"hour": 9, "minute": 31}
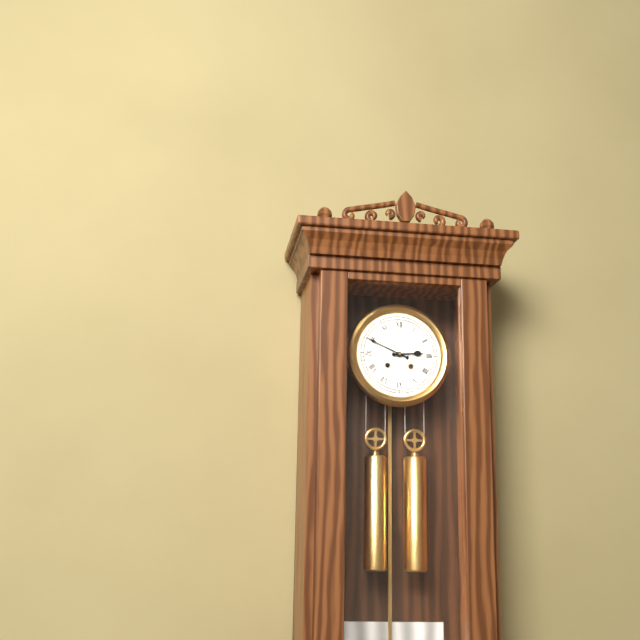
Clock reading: {"hour": 2, "minute": 49}
